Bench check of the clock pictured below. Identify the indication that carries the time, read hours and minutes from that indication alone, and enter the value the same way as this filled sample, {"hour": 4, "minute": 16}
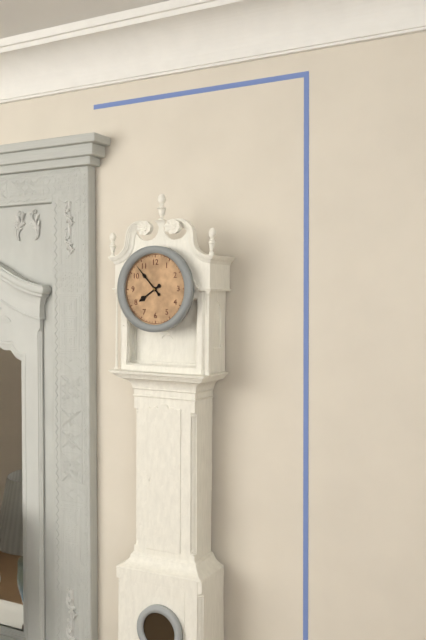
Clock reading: {"hour": 7, "minute": 53}
